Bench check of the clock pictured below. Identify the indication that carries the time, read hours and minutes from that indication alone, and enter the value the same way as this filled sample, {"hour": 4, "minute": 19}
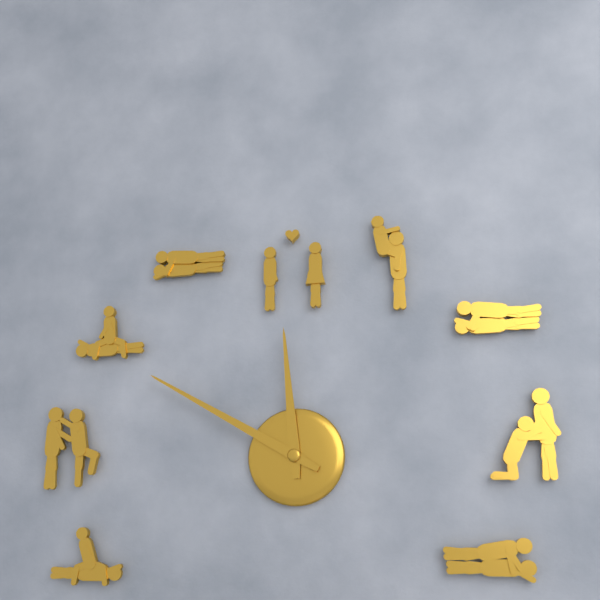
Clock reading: {"hour": 11, "minute": 50}
